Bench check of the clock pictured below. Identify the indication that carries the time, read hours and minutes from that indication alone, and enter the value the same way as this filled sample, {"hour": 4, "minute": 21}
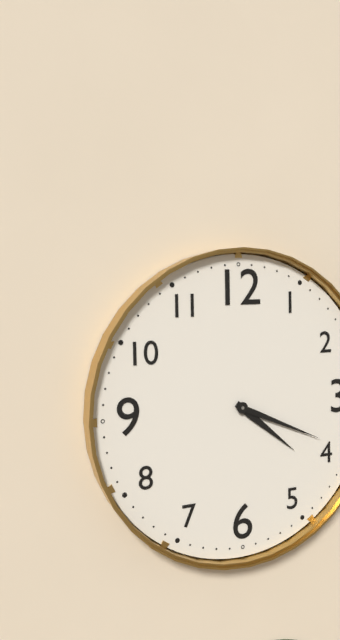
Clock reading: {"hour": 4, "minute": 19}
